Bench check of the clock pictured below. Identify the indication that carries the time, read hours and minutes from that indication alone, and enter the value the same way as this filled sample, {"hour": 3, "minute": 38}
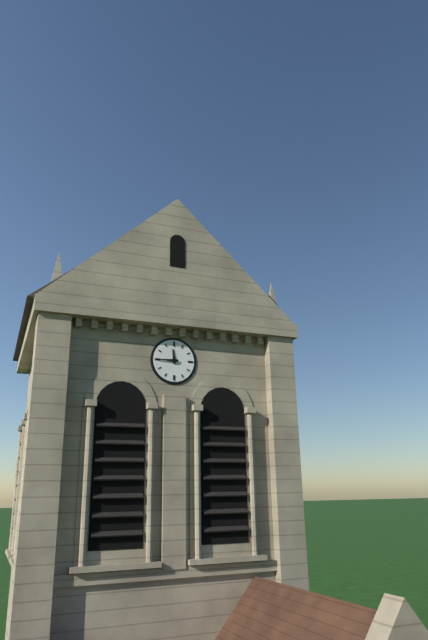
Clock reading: {"hour": 11, "minute": 45}
